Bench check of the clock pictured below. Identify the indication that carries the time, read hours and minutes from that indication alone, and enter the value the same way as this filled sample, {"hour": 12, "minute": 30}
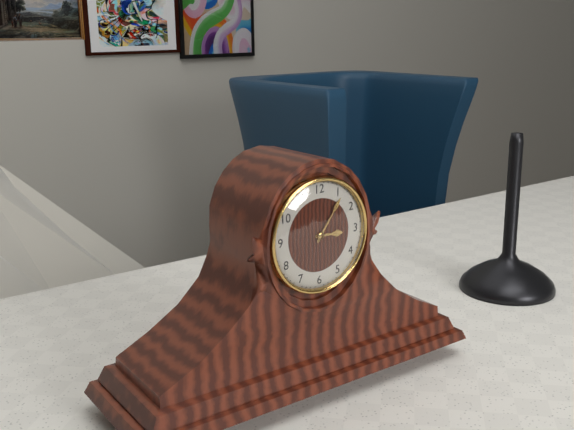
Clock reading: {"hour": 3, "minute": 6}
